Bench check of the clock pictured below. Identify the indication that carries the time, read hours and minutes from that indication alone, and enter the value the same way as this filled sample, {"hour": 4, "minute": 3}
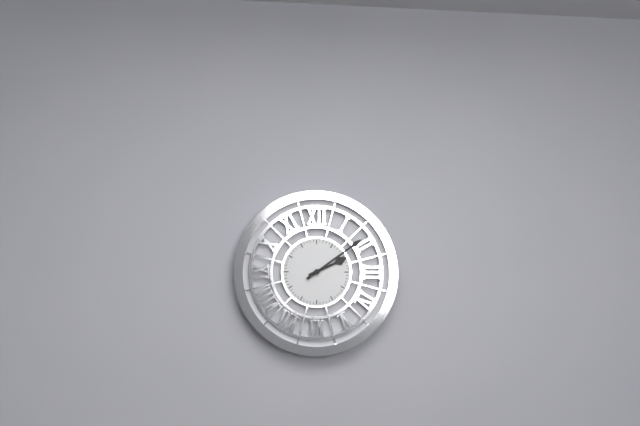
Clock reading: {"hour": 2, "minute": 9}
